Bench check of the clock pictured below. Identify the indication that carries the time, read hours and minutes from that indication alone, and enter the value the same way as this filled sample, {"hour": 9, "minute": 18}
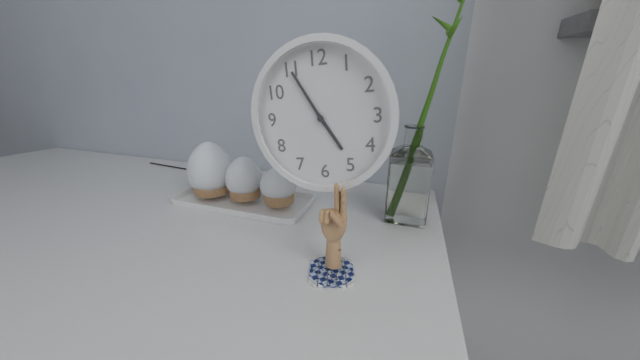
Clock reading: {"hour": 4, "minute": 55}
